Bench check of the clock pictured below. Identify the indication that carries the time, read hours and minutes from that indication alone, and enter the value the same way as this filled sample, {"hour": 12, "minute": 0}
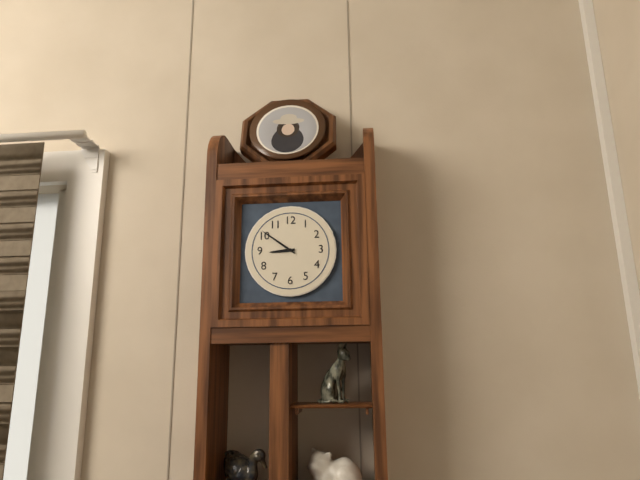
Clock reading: {"hour": 8, "minute": 51}
